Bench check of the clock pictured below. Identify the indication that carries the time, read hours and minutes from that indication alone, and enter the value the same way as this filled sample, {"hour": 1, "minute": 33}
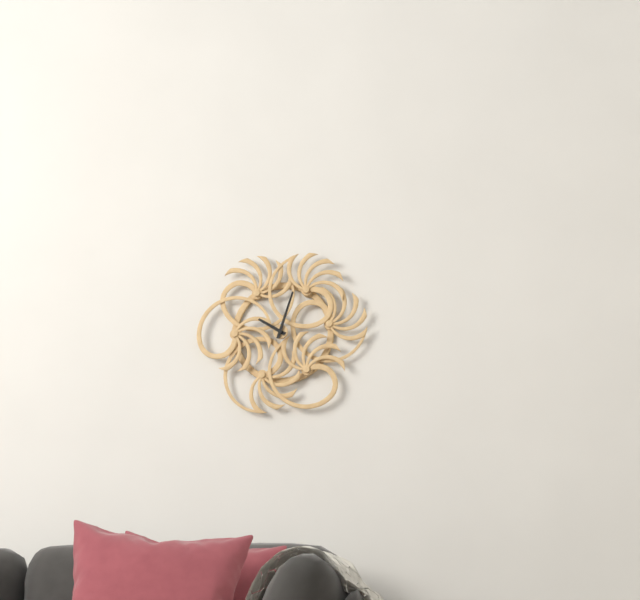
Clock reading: {"hour": 10, "minute": 3}
